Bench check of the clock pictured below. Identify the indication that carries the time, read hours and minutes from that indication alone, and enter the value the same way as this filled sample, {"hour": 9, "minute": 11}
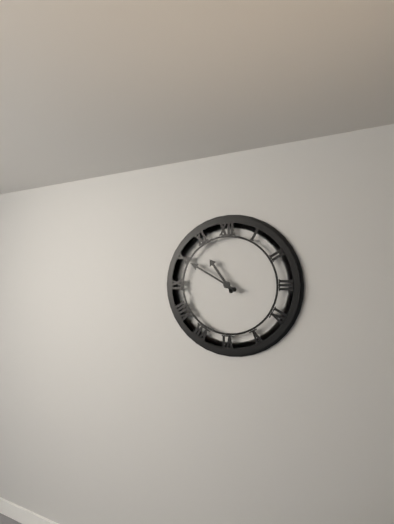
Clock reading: {"hour": 10, "minute": 50}
